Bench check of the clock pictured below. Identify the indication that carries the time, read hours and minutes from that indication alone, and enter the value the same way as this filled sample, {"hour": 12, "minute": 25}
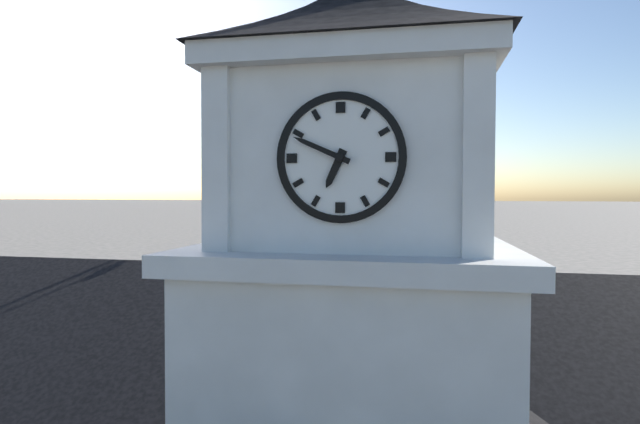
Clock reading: {"hour": 6, "minute": 49}
